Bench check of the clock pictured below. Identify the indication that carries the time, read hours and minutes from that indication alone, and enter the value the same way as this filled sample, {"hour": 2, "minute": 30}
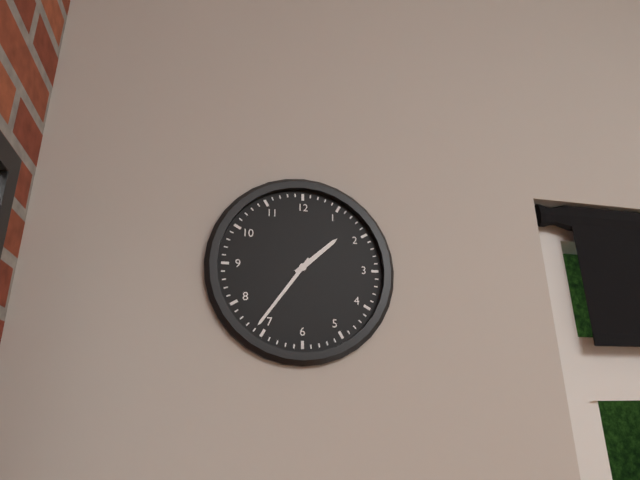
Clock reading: {"hour": 1, "minute": 36}
